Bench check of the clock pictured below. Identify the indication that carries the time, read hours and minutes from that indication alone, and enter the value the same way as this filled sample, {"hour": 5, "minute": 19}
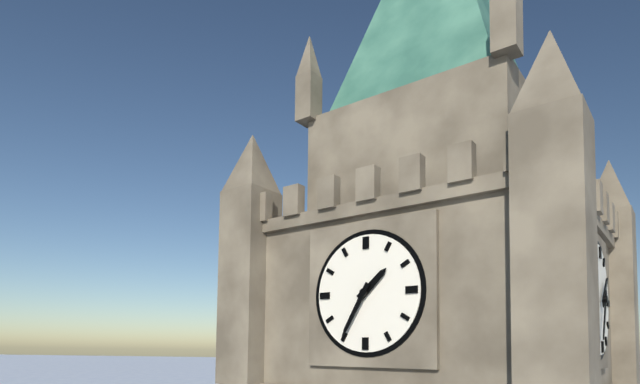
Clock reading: {"hour": 1, "minute": 35}
